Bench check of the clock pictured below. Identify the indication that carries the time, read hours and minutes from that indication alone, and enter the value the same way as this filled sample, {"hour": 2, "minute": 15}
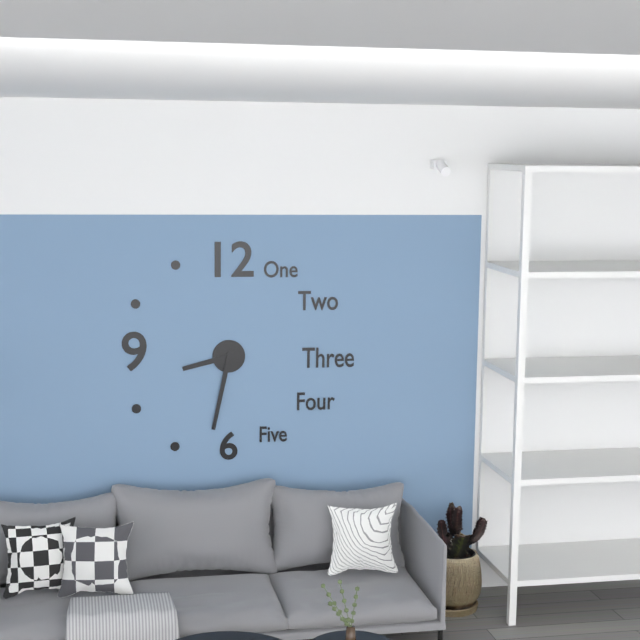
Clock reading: {"hour": 8, "minute": 32}
